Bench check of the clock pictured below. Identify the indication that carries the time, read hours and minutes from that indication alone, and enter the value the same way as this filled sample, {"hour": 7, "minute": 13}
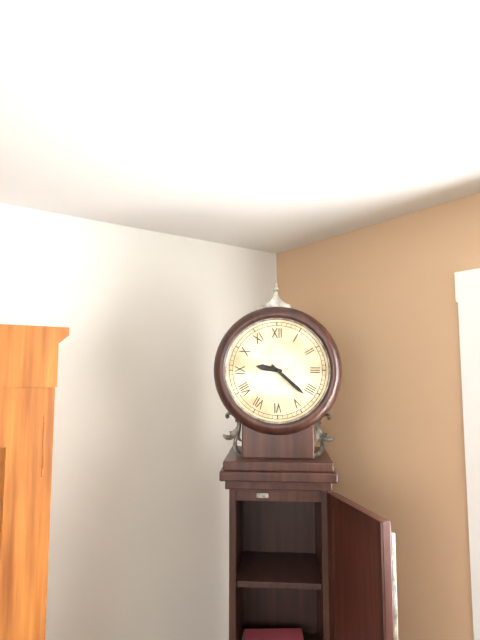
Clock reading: {"hour": 9, "minute": 22}
